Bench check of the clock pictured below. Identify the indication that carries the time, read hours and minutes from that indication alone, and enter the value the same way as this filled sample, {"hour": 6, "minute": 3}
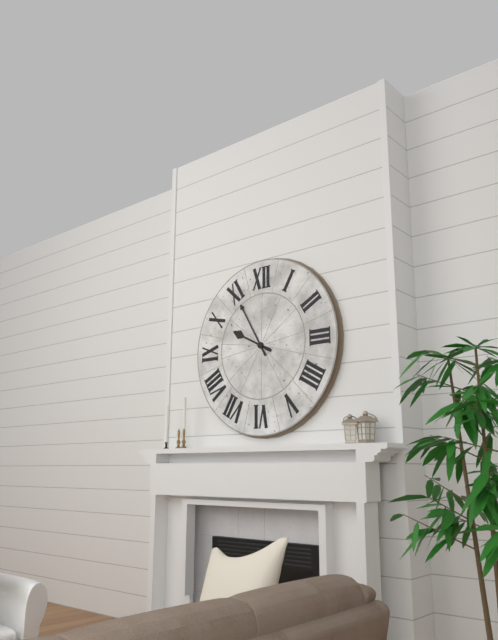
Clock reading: {"hour": 9, "minute": 55}
